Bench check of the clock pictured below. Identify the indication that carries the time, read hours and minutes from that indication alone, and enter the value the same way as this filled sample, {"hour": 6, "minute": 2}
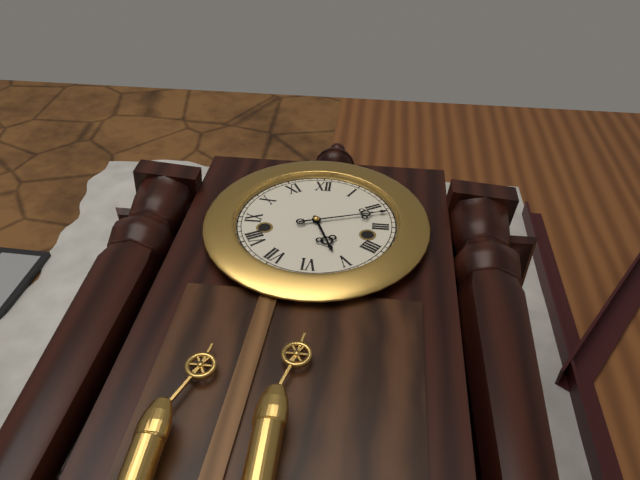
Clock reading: {"hour": 5, "minute": 12}
